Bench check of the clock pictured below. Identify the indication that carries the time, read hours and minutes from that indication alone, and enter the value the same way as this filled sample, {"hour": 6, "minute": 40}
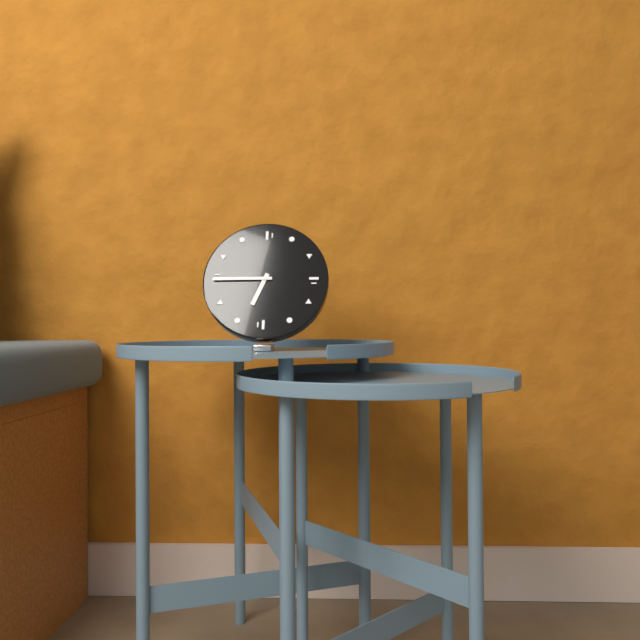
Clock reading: {"hour": 6, "minute": 45}
